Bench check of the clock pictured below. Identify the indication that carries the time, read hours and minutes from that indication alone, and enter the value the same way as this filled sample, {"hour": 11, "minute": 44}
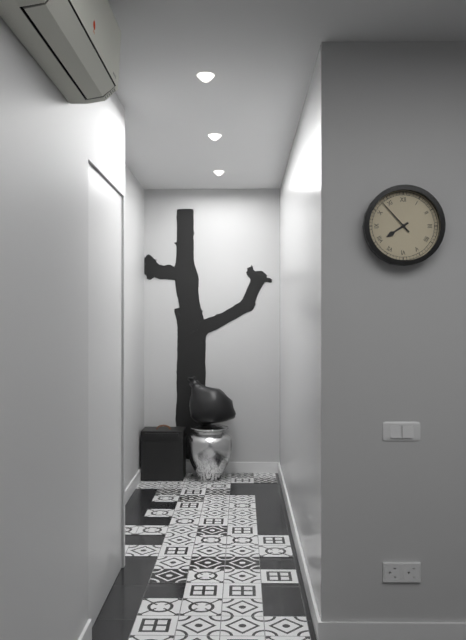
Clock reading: {"hour": 7, "minute": 53}
